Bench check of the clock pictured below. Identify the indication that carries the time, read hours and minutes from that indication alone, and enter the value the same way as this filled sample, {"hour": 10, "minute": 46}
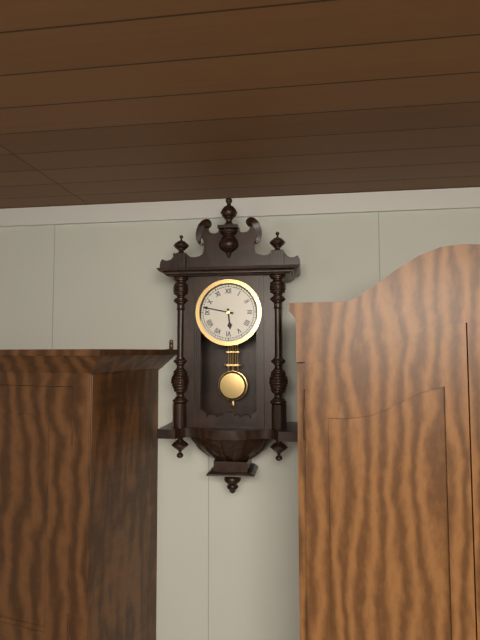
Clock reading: {"hour": 5, "minute": 47}
